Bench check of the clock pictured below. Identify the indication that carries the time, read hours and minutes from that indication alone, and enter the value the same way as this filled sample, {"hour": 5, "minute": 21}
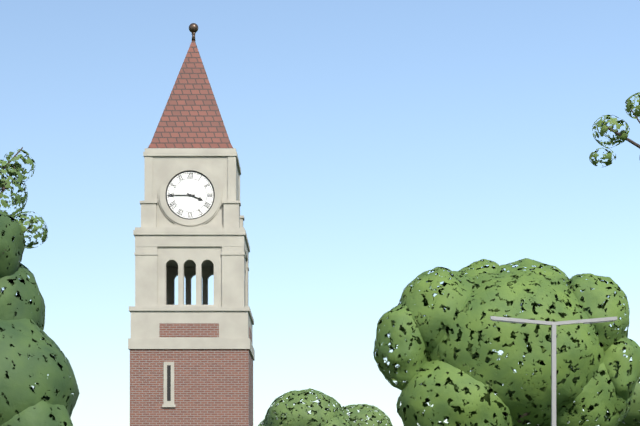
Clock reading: {"hour": 3, "minute": 45}
